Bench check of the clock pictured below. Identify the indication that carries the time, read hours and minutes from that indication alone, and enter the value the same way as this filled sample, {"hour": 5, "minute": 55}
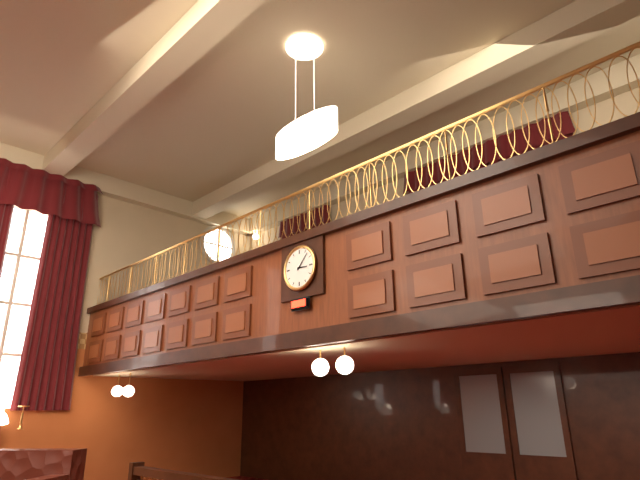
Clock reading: {"hour": 3, "minute": 7}
